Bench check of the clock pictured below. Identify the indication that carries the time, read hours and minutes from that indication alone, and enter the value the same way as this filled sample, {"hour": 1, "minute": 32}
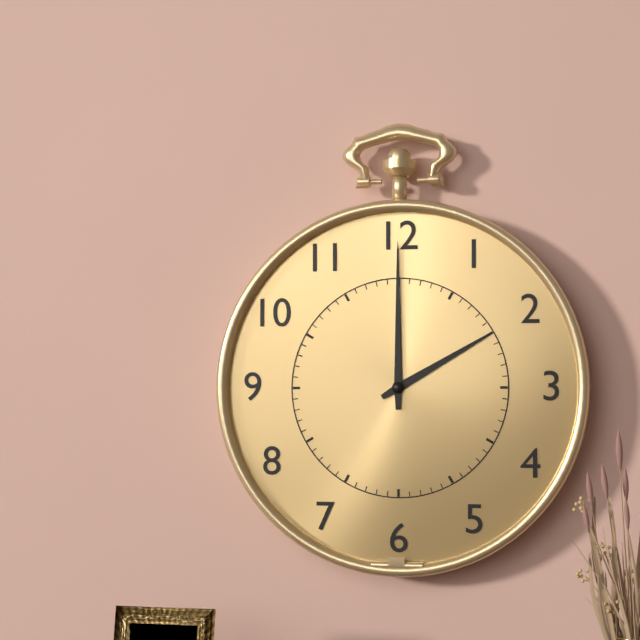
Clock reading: {"hour": 2, "minute": 0}
